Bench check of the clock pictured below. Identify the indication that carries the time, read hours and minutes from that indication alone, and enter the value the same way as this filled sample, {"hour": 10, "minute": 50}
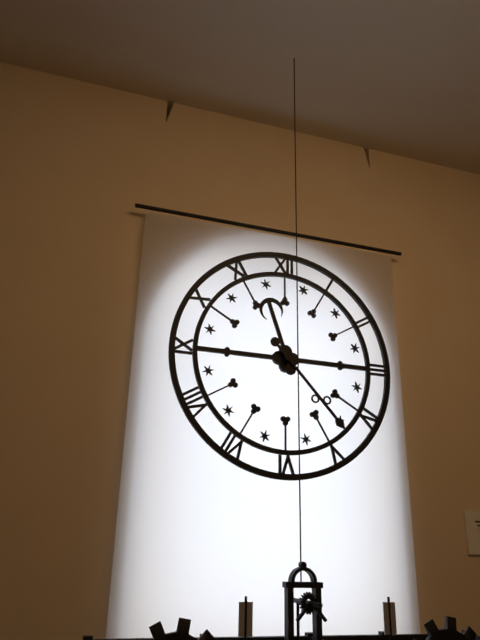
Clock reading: {"hour": 11, "minute": 23}
